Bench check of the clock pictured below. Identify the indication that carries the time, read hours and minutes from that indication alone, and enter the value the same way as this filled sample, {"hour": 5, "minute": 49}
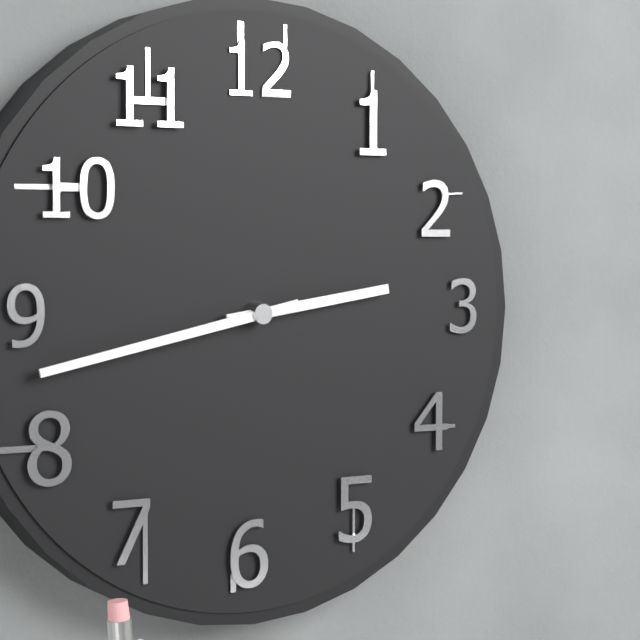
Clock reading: {"hour": 2, "minute": 43}
